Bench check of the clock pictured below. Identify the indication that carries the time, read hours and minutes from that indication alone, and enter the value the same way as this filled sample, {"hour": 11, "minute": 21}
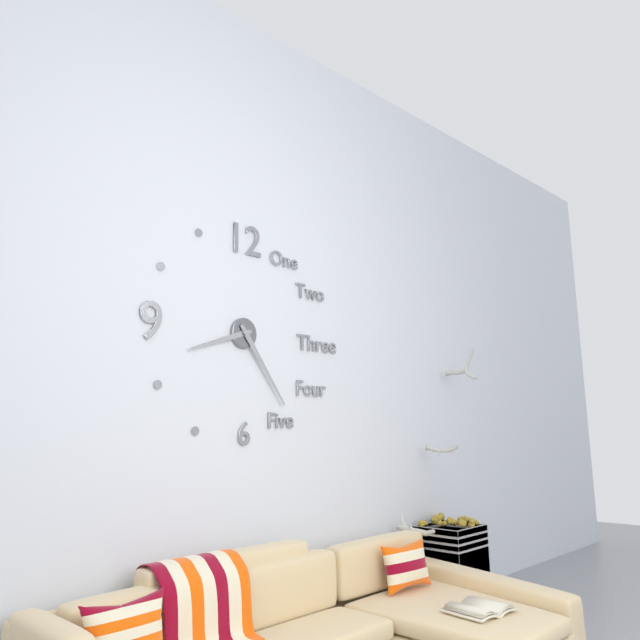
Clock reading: {"hour": 8, "minute": 24}
